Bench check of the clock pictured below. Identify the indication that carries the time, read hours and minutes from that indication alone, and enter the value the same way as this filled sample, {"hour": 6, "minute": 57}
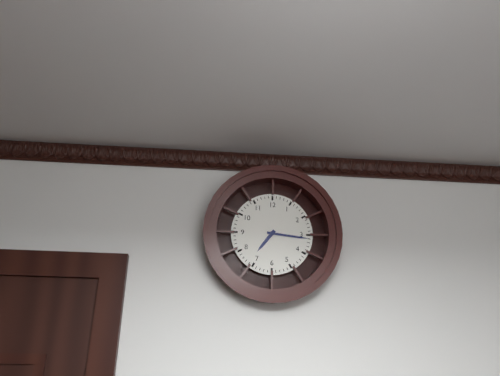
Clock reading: {"hour": 7, "minute": 16}
